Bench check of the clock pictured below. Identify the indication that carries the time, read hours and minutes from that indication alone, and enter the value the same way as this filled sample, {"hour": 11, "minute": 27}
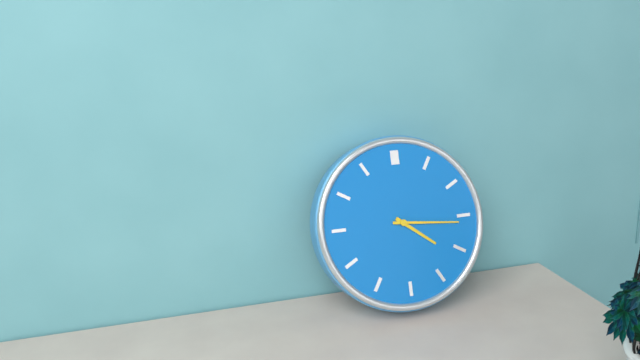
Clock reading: {"hour": 4, "minute": 16}
